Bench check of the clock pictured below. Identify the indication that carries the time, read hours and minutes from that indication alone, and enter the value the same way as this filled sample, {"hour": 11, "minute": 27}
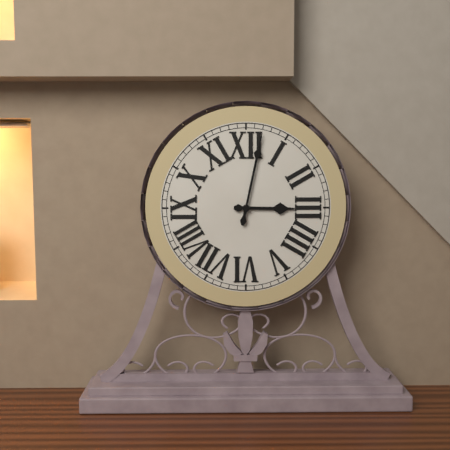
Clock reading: {"hour": 3, "minute": 2}
